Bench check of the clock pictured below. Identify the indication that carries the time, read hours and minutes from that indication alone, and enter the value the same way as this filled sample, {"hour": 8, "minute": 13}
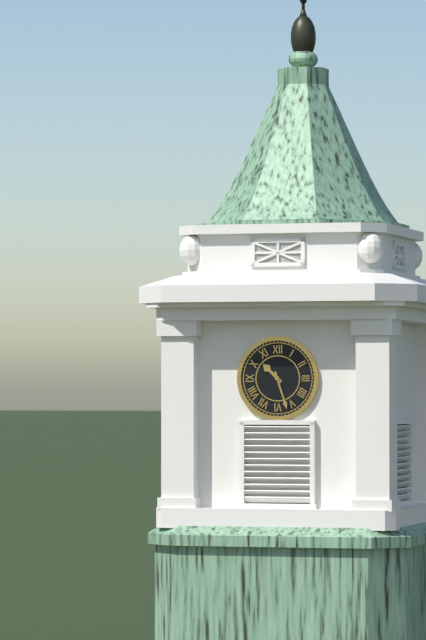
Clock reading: {"hour": 10, "minute": 27}
